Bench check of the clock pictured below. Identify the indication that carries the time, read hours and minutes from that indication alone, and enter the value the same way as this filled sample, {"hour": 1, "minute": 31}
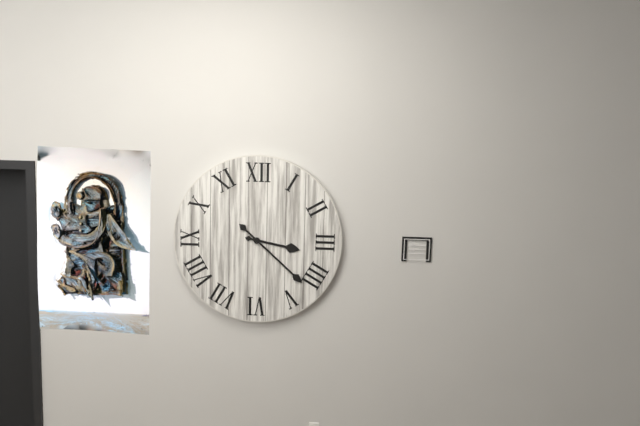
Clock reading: {"hour": 3, "minute": 22}
